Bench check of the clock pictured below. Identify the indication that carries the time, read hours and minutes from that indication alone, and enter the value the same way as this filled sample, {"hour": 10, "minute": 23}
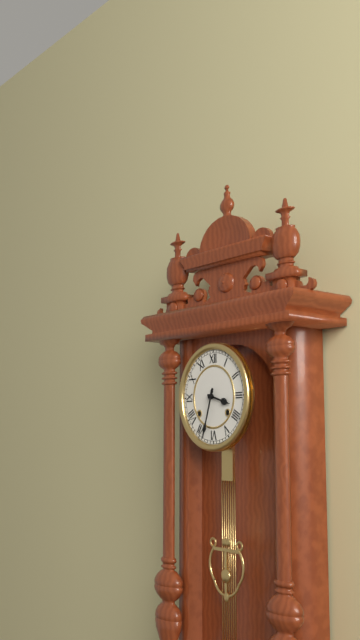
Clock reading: {"hour": 3, "minute": 33}
